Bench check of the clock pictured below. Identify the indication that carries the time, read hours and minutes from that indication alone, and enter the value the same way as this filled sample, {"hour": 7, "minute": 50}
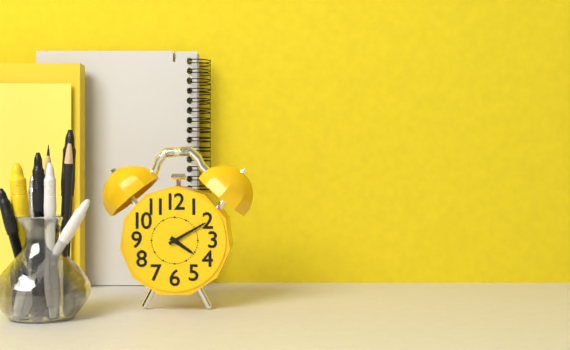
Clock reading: {"hour": 4, "minute": 10}
